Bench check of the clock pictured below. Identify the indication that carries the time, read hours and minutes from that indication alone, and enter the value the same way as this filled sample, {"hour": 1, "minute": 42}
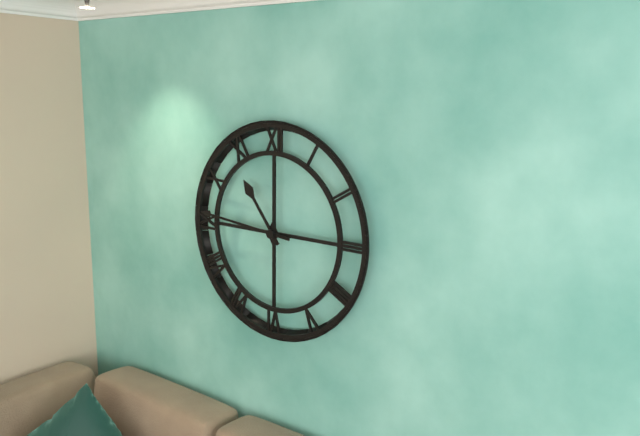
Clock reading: {"hour": 10, "minute": 46}
